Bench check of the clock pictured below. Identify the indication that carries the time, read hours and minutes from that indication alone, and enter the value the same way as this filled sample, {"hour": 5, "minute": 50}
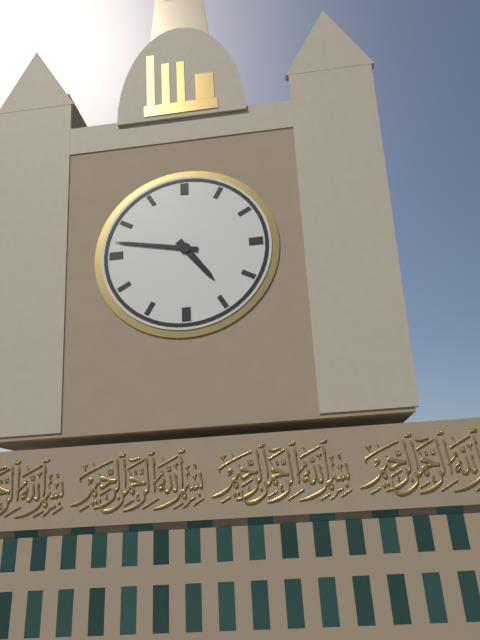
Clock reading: {"hour": 4, "minute": 47}
